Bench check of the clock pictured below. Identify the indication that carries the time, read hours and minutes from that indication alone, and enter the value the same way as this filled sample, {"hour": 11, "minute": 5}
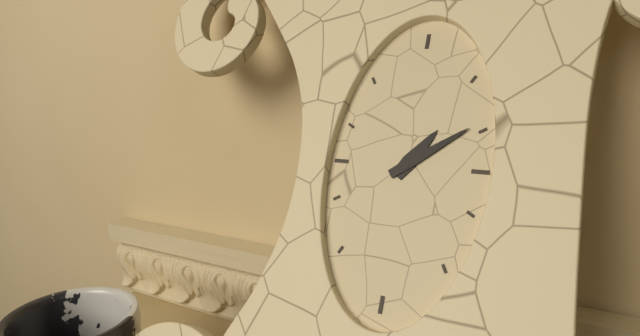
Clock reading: {"hour": 1, "minute": 9}
